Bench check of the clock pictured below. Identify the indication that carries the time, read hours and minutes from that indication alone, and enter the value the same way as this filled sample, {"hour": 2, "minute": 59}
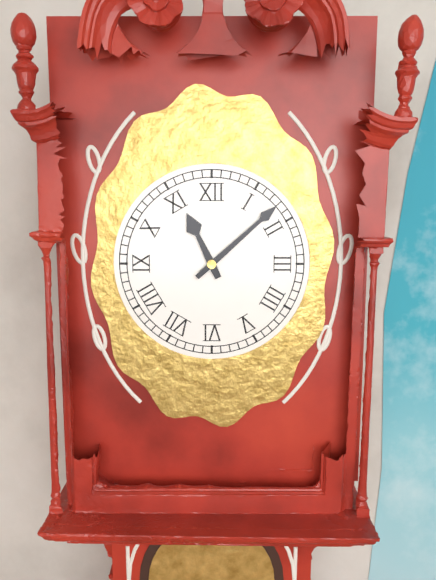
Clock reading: {"hour": 11, "minute": 8}
